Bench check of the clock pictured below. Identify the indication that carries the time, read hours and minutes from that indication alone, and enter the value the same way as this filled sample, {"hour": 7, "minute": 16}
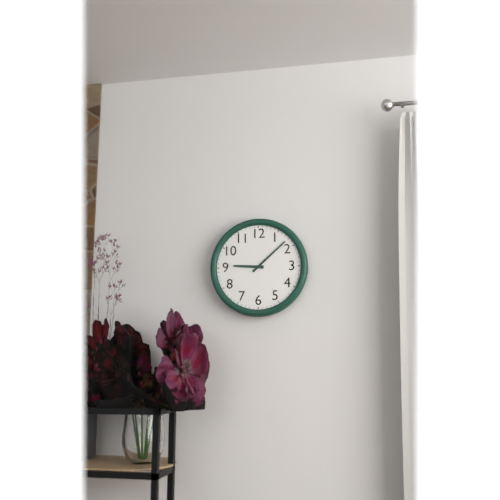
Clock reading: {"hour": 9, "minute": 8}
